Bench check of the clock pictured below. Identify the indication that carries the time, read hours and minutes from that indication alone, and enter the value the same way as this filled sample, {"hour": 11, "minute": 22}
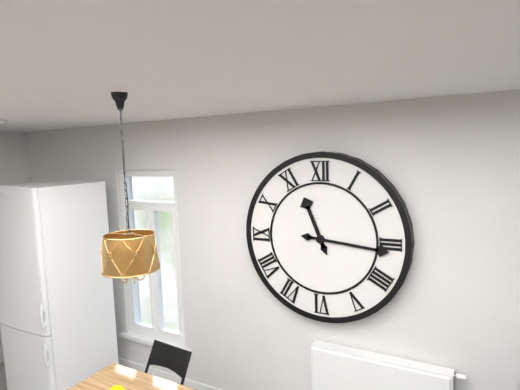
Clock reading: {"hour": 11, "minute": 16}
